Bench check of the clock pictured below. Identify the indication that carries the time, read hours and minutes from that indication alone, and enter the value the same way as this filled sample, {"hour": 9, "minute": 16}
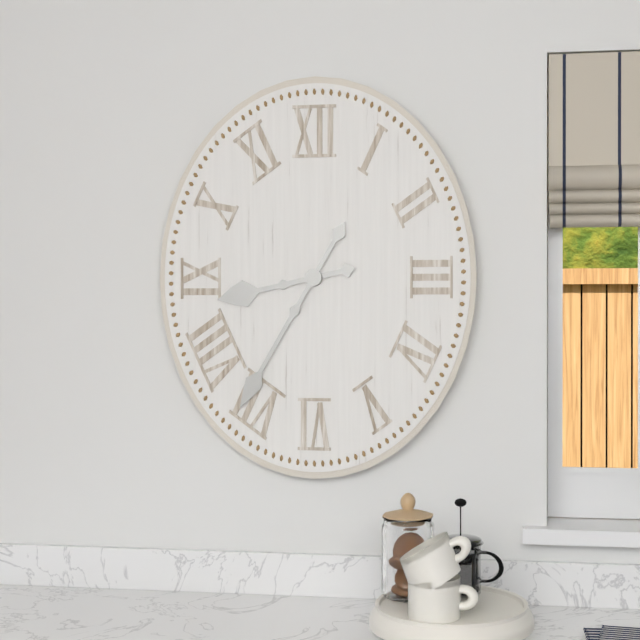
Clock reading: {"hour": 8, "minute": 35}
